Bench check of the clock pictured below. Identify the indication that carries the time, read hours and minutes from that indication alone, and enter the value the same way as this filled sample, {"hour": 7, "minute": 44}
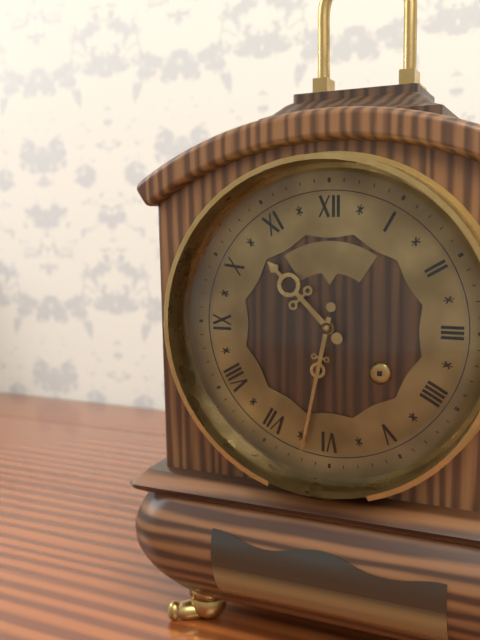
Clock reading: {"hour": 10, "minute": 32}
